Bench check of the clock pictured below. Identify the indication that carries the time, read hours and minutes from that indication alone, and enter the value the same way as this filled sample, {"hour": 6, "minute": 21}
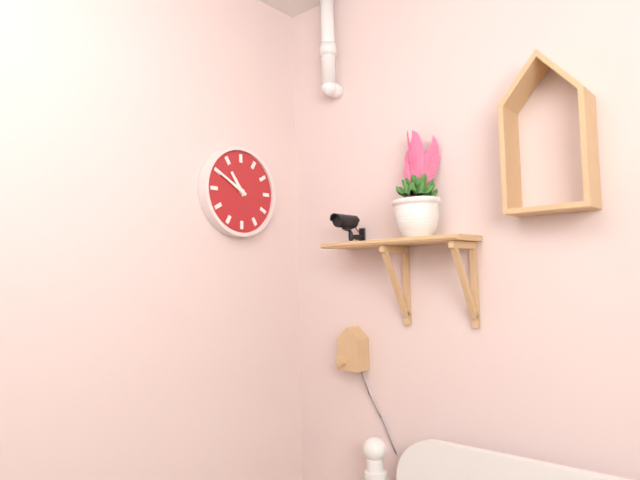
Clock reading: {"hour": 10, "minute": 50}
